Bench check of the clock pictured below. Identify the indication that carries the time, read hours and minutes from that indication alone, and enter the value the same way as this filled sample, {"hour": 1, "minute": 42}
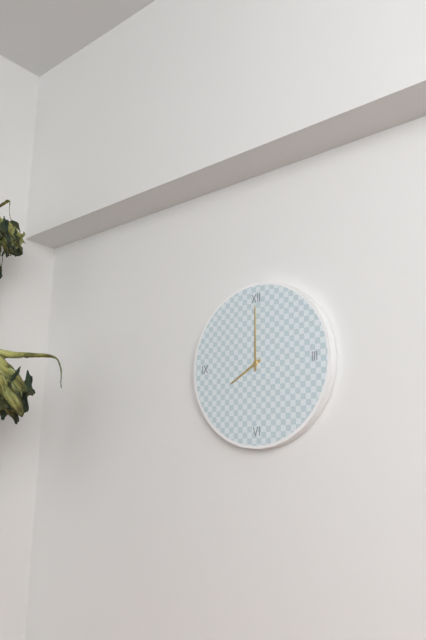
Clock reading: {"hour": 8, "minute": 0}
